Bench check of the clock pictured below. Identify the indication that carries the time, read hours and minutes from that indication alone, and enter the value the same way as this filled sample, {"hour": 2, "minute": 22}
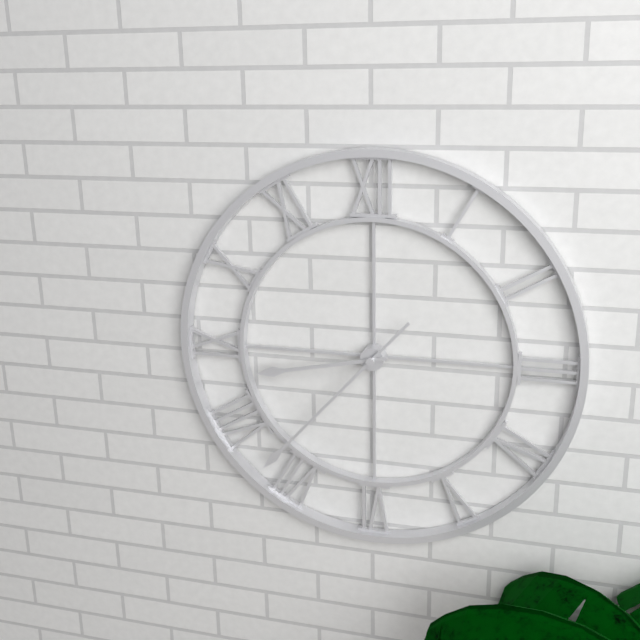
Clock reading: {"hour": 8, "minute": 37}
